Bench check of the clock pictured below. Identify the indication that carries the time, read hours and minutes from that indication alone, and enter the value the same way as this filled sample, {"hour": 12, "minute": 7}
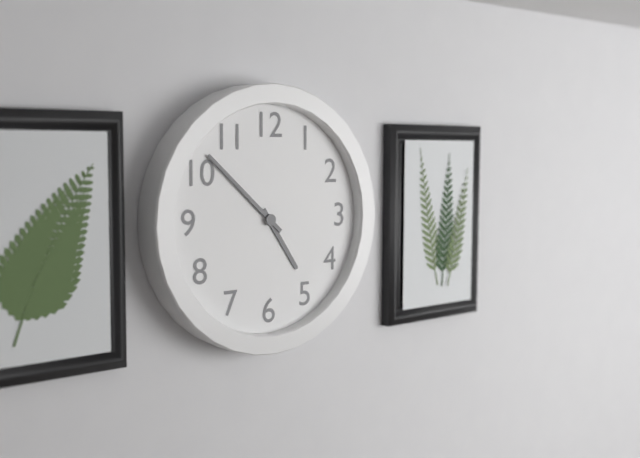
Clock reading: {"hour": 4, "minute": 52}
